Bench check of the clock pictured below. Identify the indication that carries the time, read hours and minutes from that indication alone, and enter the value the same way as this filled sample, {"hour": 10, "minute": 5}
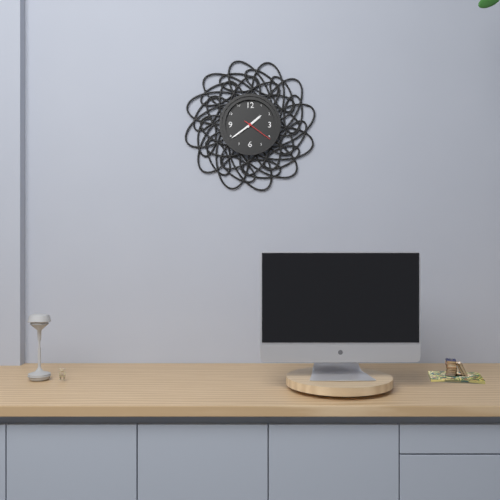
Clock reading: {"hour": 1, "minute": 39}
